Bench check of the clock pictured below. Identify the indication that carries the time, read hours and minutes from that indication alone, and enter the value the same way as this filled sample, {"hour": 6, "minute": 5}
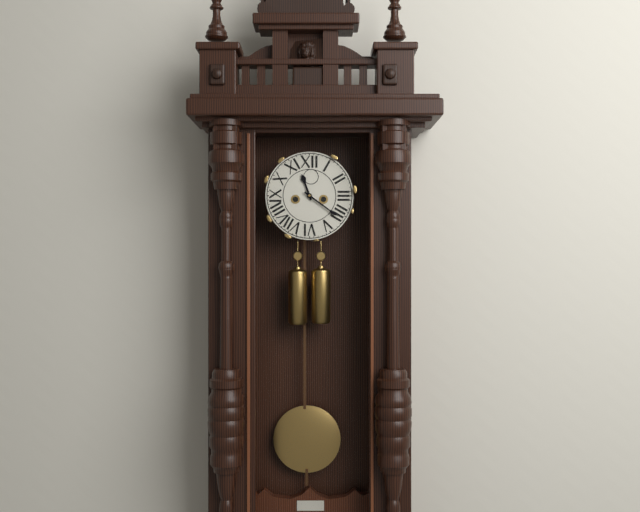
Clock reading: {"hour": 11, "minute": 21}
